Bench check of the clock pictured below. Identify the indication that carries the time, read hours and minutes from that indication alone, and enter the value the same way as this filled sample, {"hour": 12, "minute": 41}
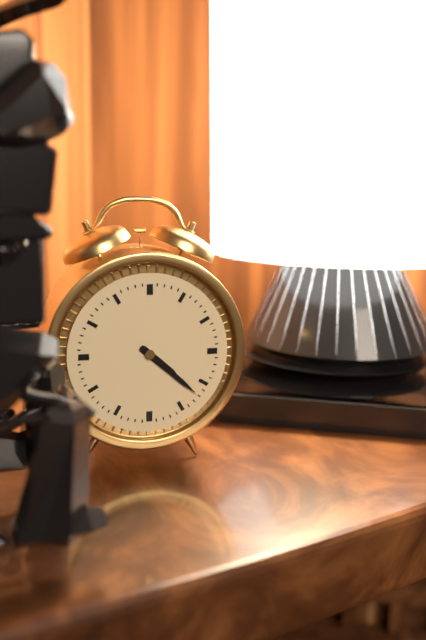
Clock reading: {"hour": 4, "minute": 22}
